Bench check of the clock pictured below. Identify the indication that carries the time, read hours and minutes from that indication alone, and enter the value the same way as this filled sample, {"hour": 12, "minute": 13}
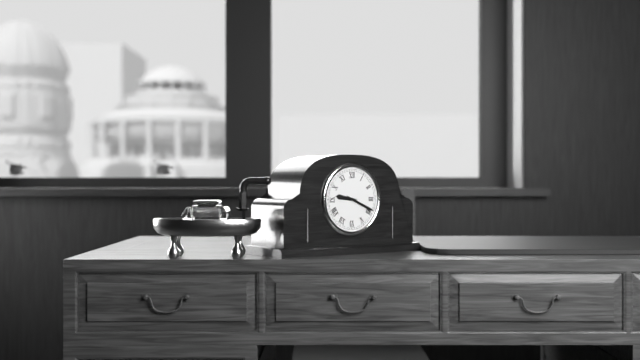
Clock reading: {"hour": 9, "minute": 19}
